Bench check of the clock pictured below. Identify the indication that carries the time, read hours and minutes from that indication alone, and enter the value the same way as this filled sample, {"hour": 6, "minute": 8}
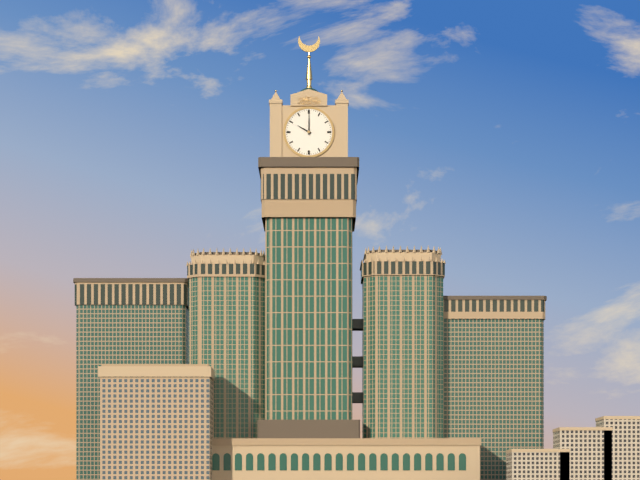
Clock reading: {"hour": 10, "minute": 0}
